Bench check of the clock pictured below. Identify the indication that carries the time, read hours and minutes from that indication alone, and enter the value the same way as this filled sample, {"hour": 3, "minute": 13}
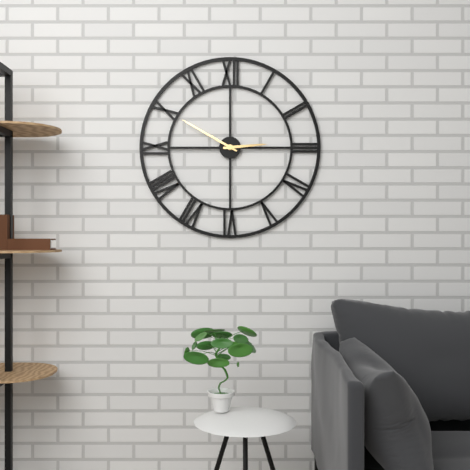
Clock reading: {"hour": 2, "minute": 50}
